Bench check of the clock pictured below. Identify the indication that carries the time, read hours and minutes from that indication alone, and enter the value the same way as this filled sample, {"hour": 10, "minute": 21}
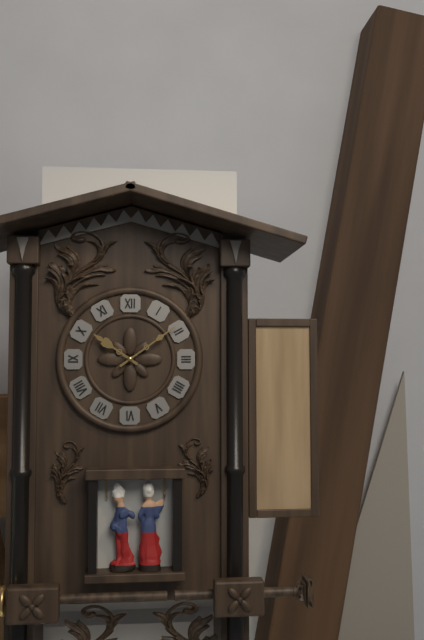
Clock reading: {"hour": 10, "minute": 9}
